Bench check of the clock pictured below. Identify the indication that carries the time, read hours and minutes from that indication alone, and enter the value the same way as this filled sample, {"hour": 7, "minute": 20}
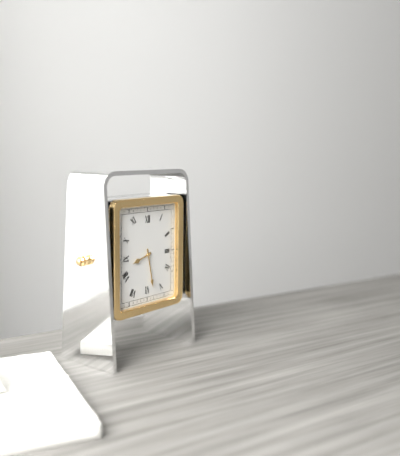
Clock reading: {"hour": 8, "minute": 28}
